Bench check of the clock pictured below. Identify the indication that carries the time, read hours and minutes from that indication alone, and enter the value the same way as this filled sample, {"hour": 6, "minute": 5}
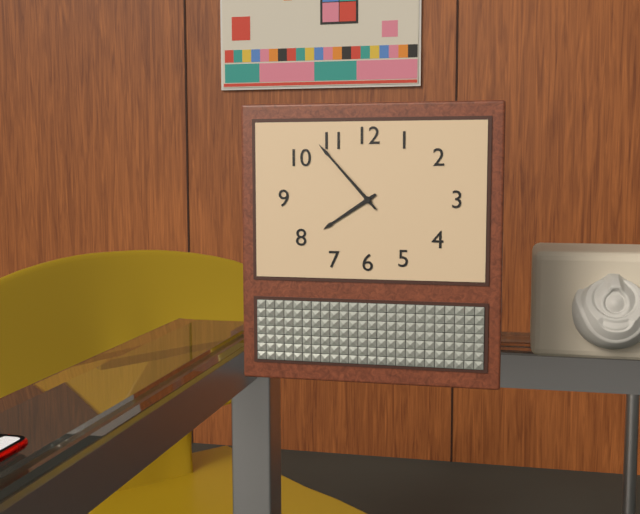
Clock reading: {"hour": 7, "minute": 53}
